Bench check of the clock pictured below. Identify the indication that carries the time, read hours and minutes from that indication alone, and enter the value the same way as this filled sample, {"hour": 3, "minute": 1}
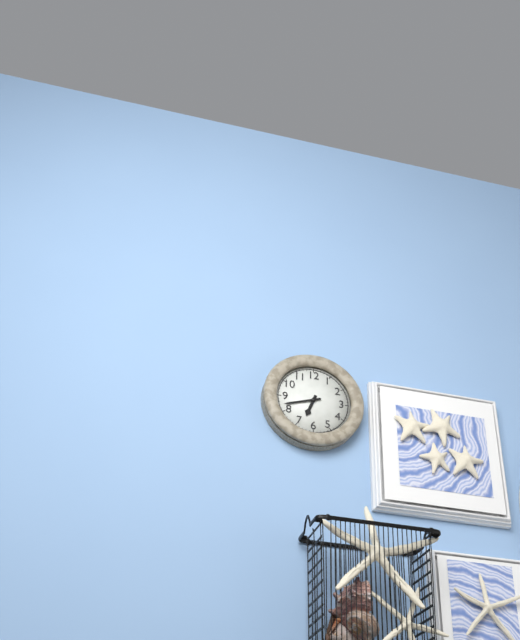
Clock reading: {"hour": 6, "minute": 42}
